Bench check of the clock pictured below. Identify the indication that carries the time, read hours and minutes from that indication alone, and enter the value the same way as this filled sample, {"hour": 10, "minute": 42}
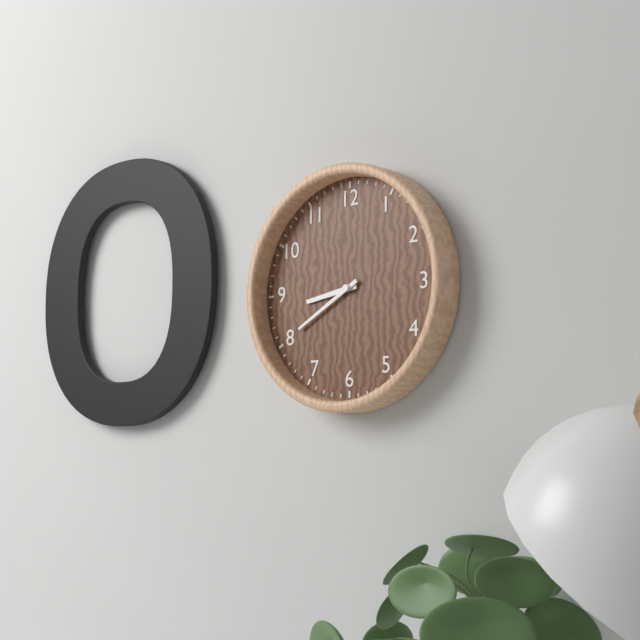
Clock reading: {"hour": 8, "minute": 40}
